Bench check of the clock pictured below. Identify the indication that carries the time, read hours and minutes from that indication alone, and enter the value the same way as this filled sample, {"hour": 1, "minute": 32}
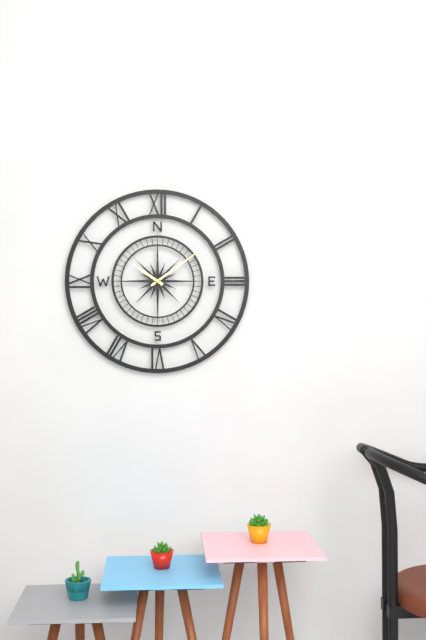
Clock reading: {"hour": 10, "minute": 9}
